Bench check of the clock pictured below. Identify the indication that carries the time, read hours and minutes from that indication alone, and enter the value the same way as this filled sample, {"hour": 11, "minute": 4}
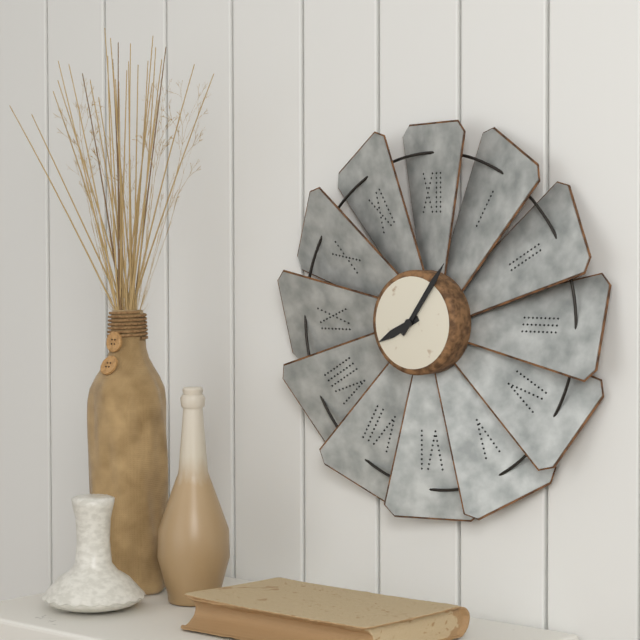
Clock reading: {"hour": 8, "minute": 6}
